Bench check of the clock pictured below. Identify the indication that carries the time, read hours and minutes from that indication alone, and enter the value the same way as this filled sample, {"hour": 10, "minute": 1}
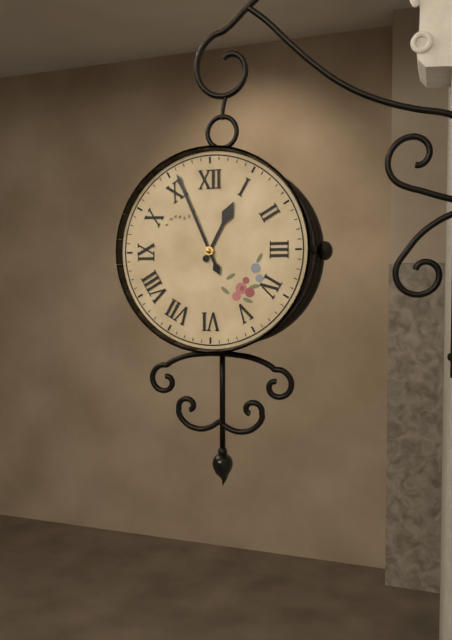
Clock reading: {"hour": 12, "minute": 56}
